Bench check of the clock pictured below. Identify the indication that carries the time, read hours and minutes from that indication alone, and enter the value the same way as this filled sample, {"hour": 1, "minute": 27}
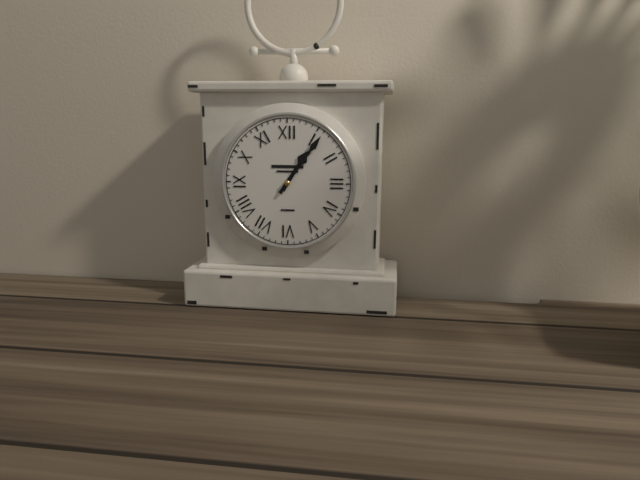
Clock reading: {"hour": 1, "minute": 6}
